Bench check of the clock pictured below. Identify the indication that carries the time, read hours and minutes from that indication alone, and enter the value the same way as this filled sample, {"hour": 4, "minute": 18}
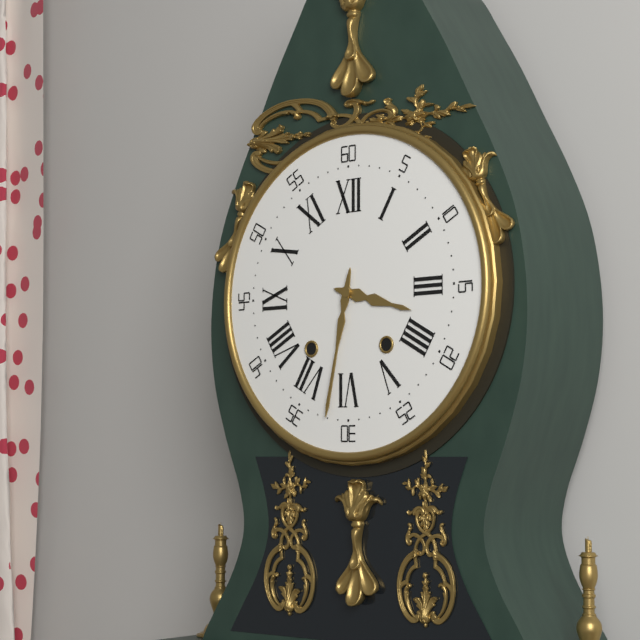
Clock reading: {"hour": 3, "minute": 32}
